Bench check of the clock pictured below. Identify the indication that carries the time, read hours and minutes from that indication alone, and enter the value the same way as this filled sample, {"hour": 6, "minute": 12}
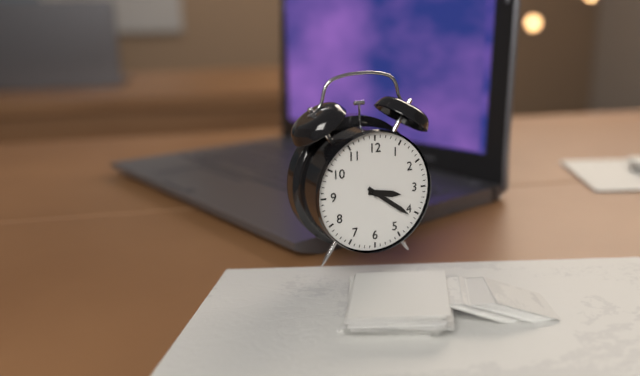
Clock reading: {"hour": 3, "minute": 21}
